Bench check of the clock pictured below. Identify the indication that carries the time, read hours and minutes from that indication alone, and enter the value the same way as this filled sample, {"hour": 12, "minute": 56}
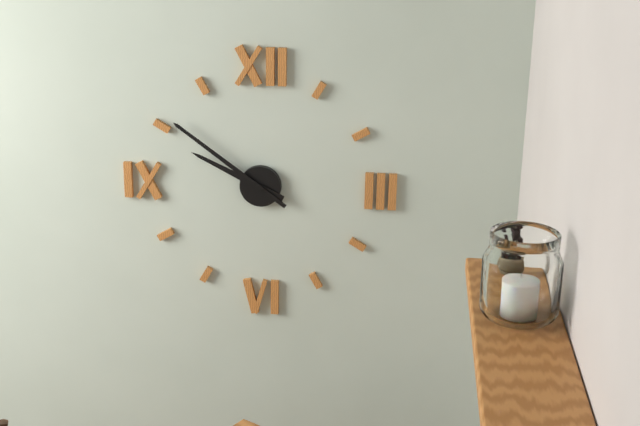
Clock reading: {"hour": 9, "minute": 51}
